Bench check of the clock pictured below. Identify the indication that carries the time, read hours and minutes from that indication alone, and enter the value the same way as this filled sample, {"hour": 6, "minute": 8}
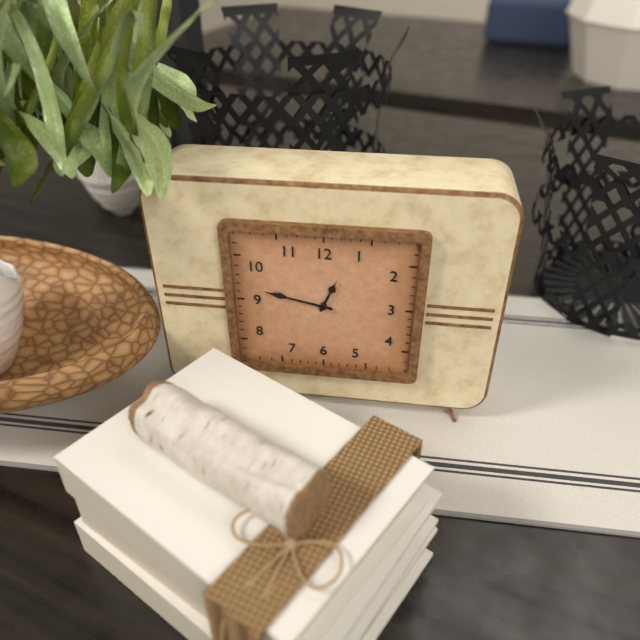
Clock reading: {"hour": 12, "minute": 47}
